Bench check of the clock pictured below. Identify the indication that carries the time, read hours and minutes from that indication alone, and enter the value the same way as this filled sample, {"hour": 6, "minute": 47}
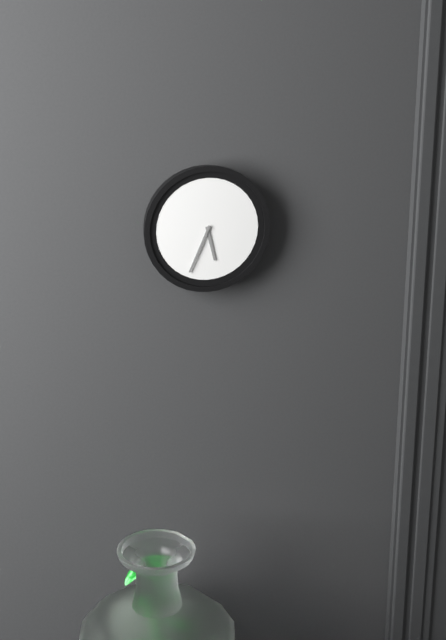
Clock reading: {"hour": 5, "minute": 34}
